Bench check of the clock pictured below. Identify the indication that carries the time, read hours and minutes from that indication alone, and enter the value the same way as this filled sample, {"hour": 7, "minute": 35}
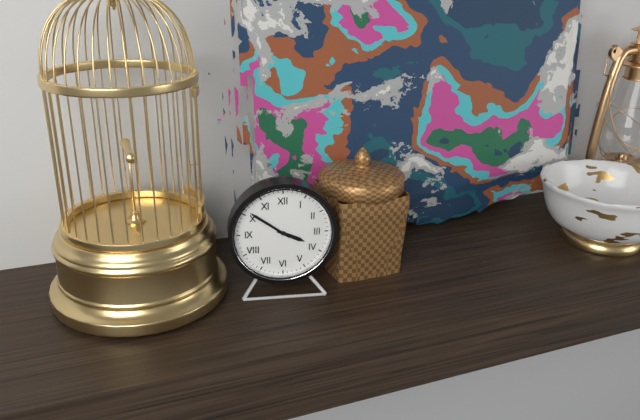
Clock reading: {"hour": 3, "minute": 51}
